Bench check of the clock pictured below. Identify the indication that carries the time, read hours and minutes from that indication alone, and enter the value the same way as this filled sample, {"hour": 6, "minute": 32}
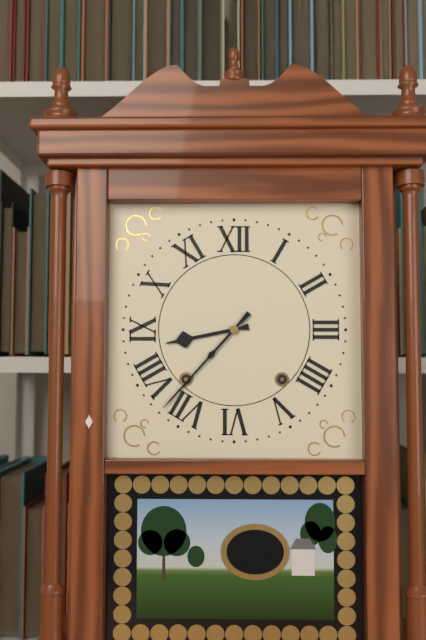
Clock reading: {"hour": 8, "minute": 37}
